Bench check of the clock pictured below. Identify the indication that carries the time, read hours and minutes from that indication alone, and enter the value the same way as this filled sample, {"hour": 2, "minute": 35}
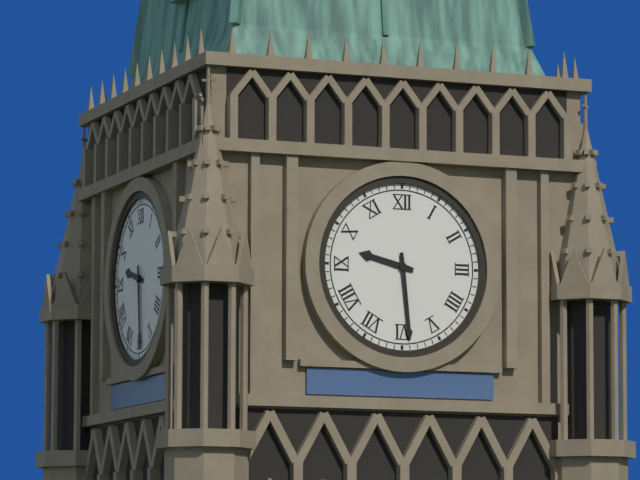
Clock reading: {"hour": 9, "minute": 29}
